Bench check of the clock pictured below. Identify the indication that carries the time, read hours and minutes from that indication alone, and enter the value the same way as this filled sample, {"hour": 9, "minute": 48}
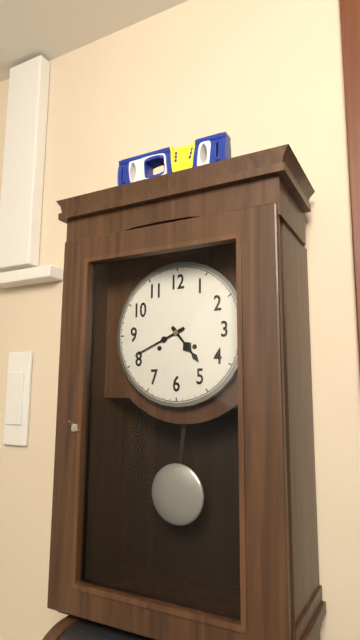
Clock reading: {"hour": 4, "minute": 41}
